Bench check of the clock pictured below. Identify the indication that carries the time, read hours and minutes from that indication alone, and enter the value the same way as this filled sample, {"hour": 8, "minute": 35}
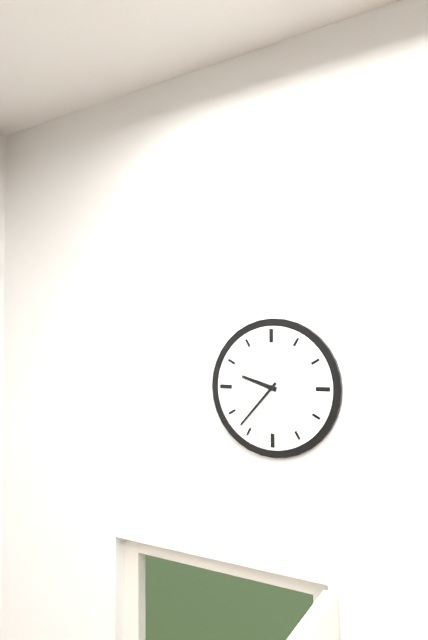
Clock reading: {"hour": 9, "minute": 37}
